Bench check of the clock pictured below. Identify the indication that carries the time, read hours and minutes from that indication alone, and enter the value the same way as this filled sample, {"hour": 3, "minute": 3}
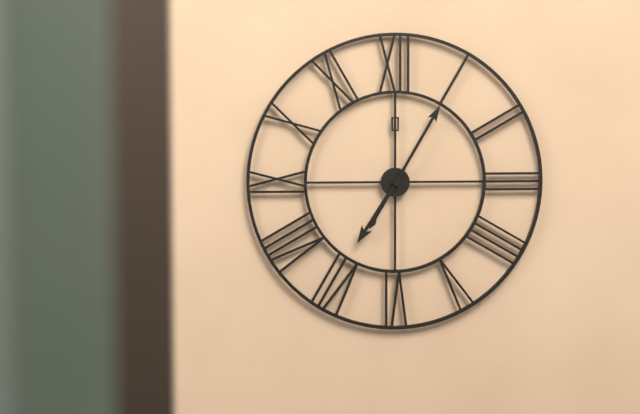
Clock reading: {"hour": 7, "minute": 5}
